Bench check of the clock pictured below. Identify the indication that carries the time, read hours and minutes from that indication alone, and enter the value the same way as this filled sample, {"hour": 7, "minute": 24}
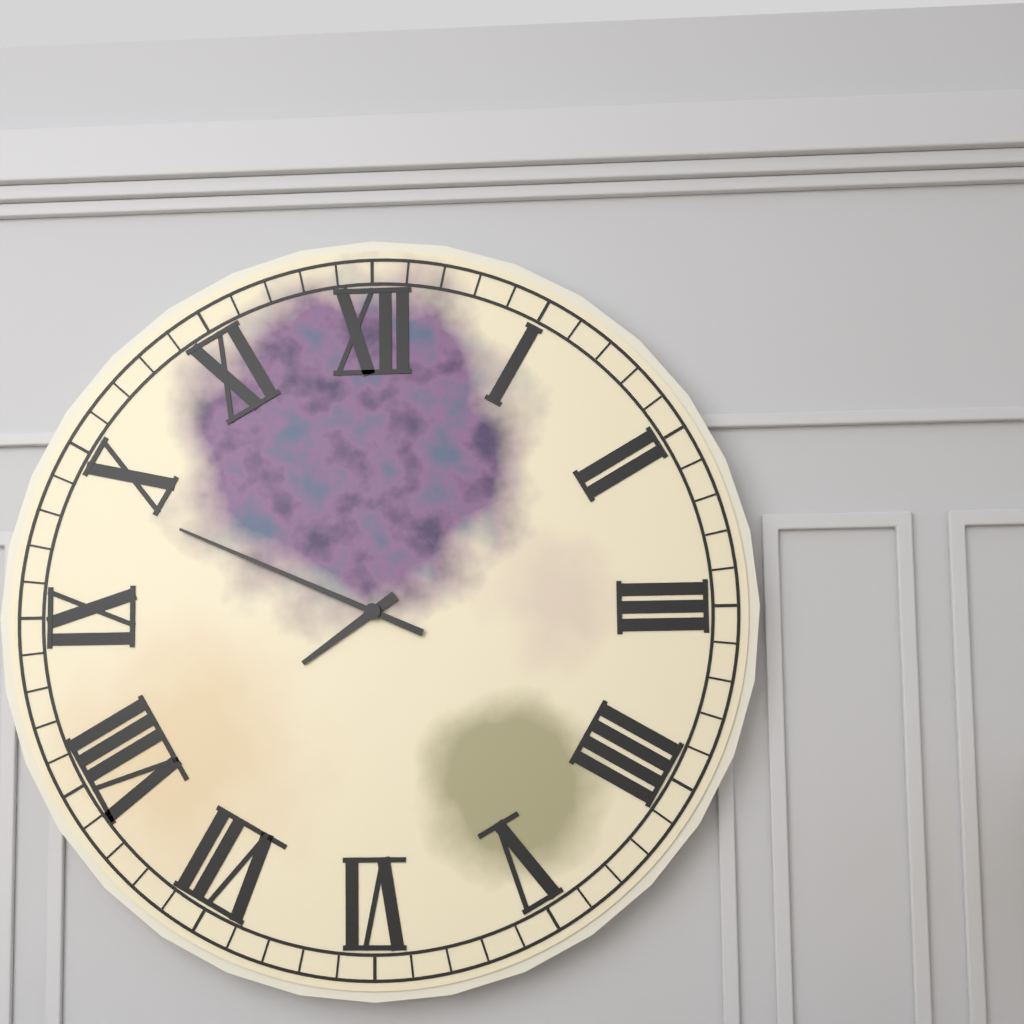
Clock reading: {"hour": 7, "minute": 49}
